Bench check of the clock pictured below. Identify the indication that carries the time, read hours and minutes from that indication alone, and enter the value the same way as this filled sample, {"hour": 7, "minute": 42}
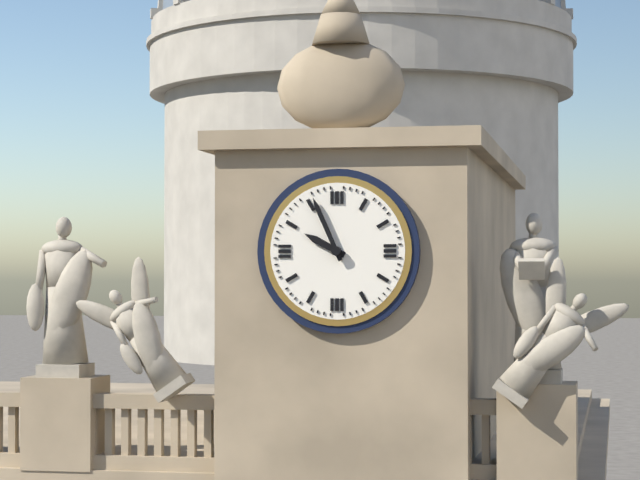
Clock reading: {"hour": 9, "minute": 56}
